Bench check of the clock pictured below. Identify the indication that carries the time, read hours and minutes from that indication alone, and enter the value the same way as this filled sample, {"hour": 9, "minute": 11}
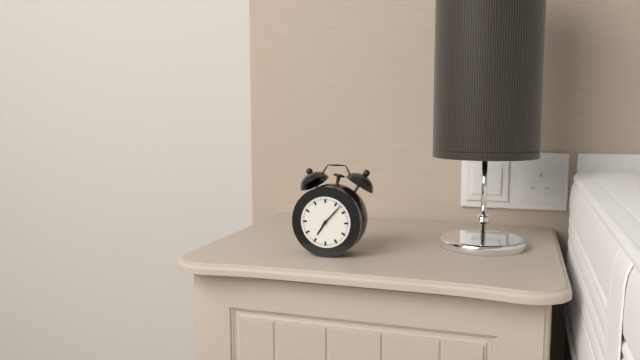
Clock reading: {"hour": 7, "minute": 7}
